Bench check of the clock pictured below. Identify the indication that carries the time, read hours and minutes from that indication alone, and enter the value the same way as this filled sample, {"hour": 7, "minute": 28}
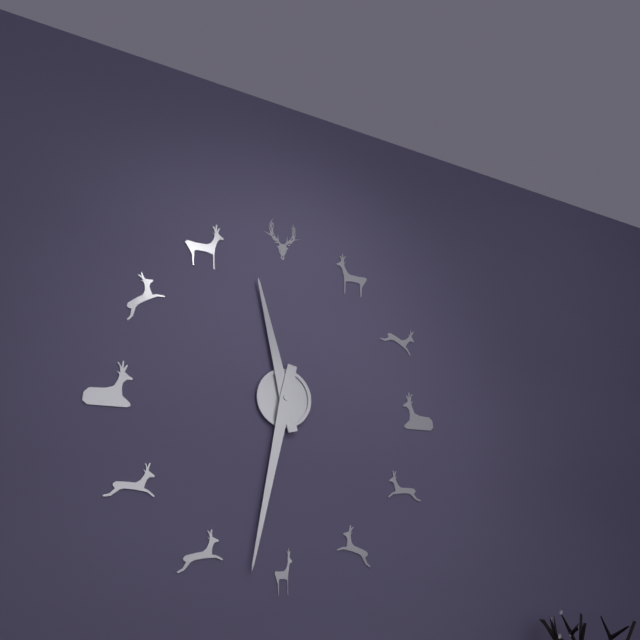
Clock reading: {"hour": 11, "minute": 32}
